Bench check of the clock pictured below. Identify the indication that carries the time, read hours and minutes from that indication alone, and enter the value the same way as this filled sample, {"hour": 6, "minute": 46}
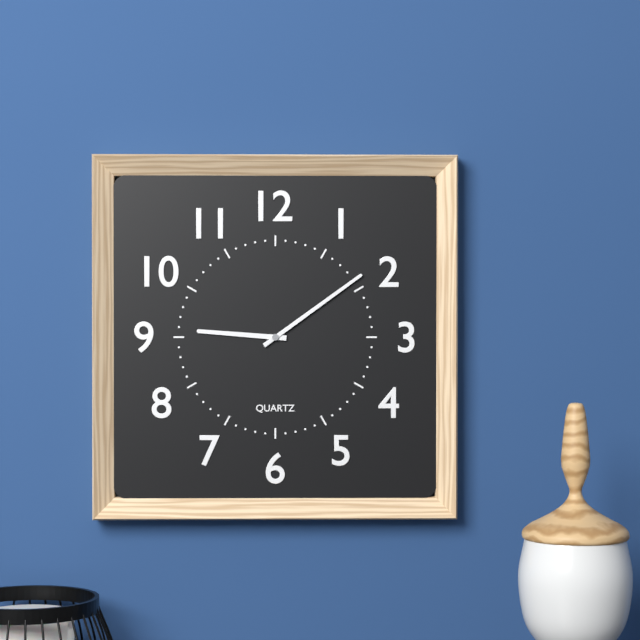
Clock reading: {"hour": 9, "minute": 9}
